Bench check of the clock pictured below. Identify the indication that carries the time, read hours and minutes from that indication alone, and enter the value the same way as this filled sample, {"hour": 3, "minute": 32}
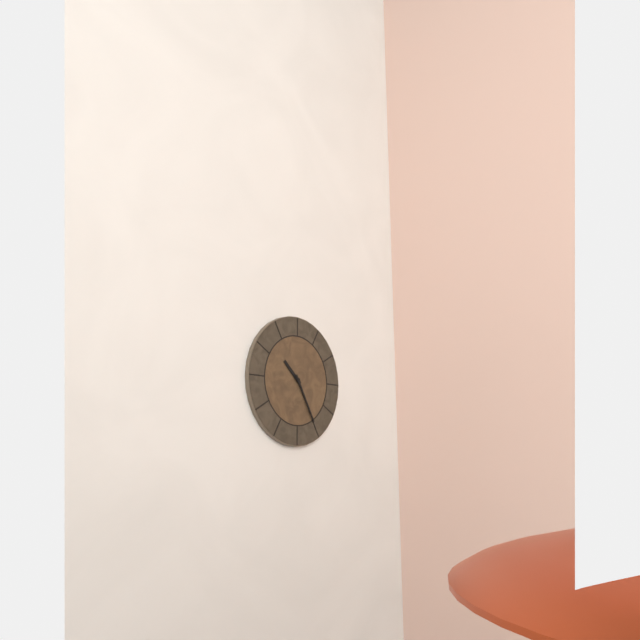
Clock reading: {"hour": 10, "minute": 25}
